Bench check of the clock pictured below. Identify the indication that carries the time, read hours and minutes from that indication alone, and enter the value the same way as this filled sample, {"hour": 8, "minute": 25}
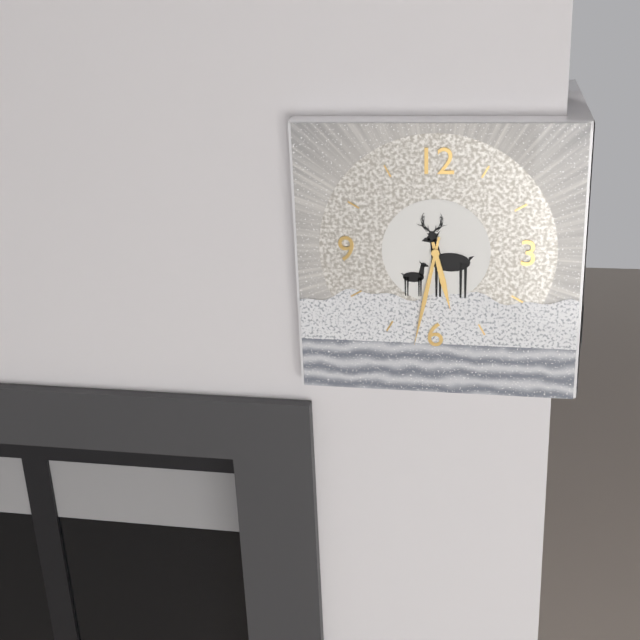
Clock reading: {"hour": 5, "minute": 32}
